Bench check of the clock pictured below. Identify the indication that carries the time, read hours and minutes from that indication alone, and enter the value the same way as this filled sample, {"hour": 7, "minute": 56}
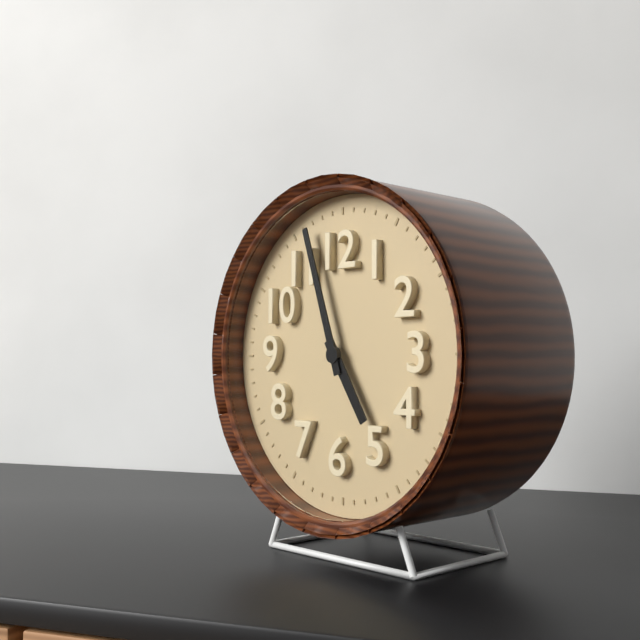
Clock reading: {"hour": 4, "minute": 57}
